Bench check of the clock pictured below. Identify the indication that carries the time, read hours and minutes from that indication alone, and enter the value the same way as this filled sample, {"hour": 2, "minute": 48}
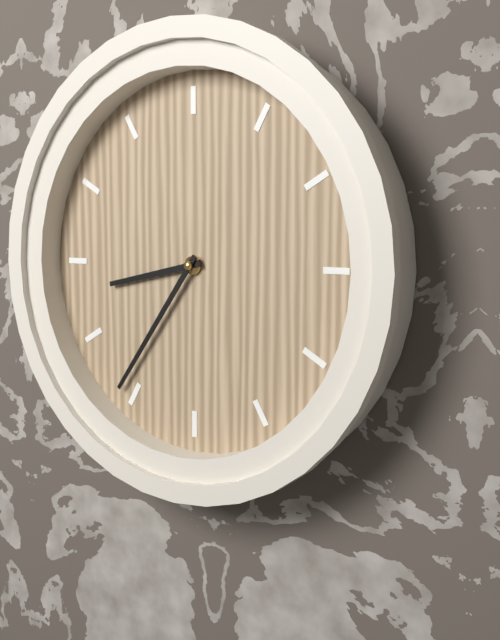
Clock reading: {"hour": 8, "minute": 36}
